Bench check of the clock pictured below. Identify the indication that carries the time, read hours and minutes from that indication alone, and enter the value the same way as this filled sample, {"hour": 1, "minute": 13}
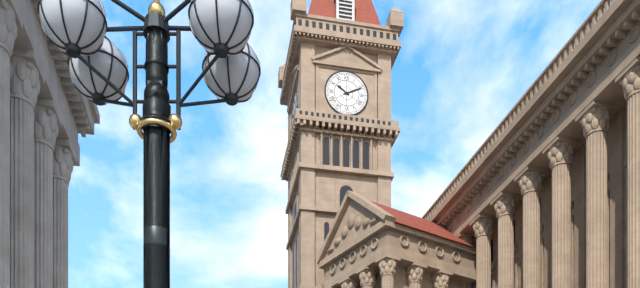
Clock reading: {"hour": 10, "minute": 11}
